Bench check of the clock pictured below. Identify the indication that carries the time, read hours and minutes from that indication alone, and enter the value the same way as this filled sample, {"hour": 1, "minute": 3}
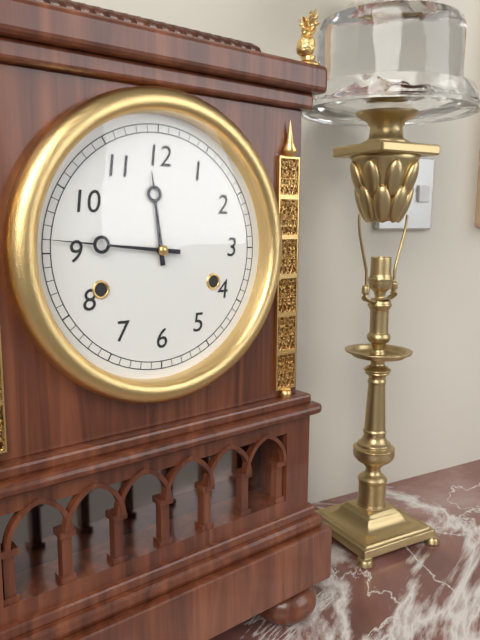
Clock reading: {"hour": 11, "minute": 46}
